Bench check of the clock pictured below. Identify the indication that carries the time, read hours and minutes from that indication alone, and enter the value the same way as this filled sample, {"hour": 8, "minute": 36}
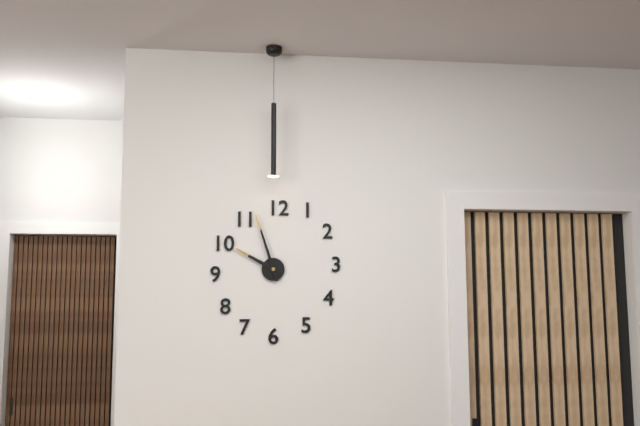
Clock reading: {"hour": 9, "minute": 57}
